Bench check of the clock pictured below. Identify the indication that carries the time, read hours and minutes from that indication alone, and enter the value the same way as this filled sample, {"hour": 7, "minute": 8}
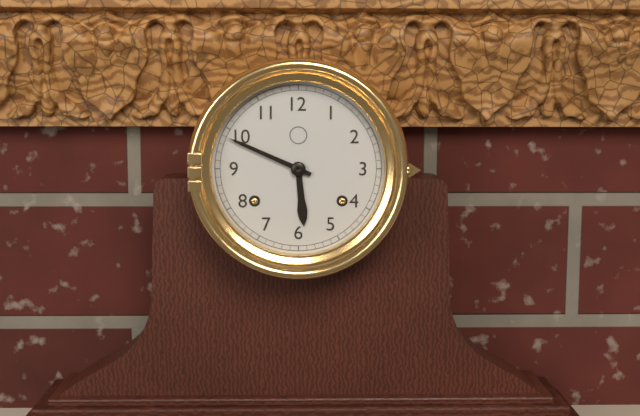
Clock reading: {"hour": 5, "minute": 49}
